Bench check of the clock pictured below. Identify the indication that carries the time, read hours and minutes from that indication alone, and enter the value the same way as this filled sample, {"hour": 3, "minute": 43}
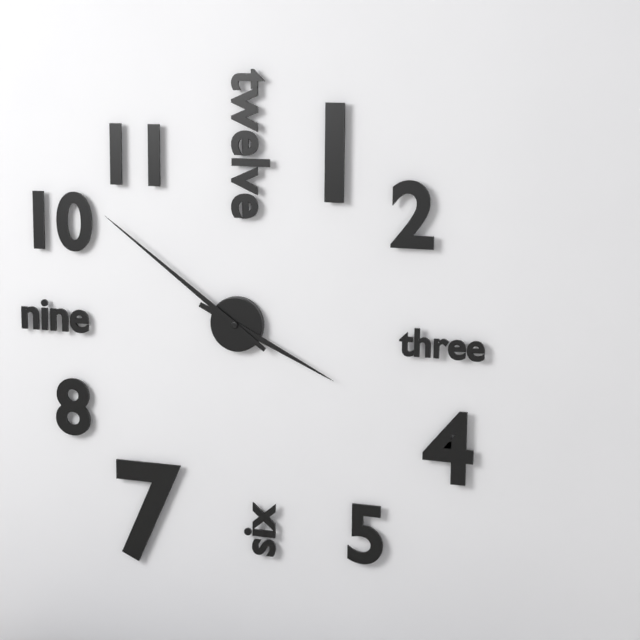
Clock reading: {"hour": 3, "minute": 51}
